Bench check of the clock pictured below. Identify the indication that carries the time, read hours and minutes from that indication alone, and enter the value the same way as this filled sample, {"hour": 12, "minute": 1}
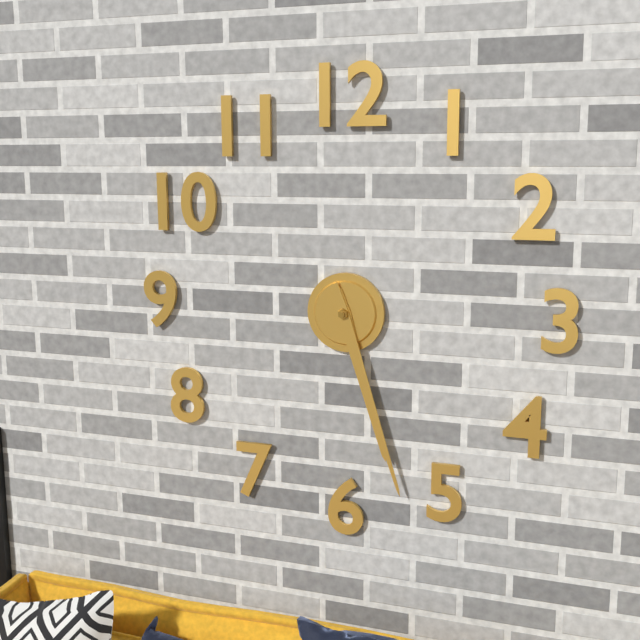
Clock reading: {"hour": 5, "minute": 27}
